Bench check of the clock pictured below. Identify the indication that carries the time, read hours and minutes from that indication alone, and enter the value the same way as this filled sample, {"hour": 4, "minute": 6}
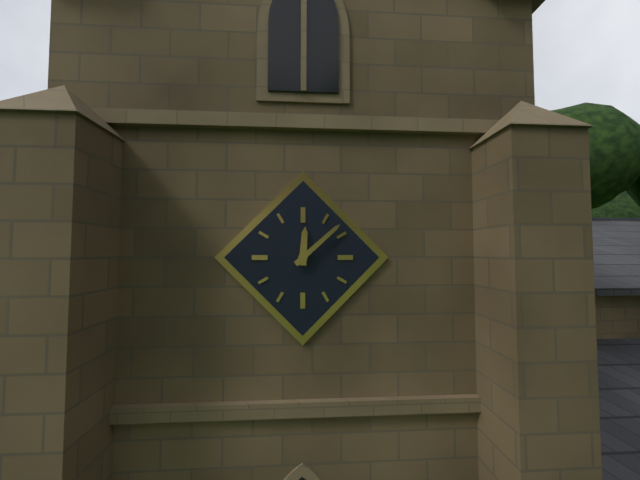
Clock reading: {"hour": 12, "minute": 8}
